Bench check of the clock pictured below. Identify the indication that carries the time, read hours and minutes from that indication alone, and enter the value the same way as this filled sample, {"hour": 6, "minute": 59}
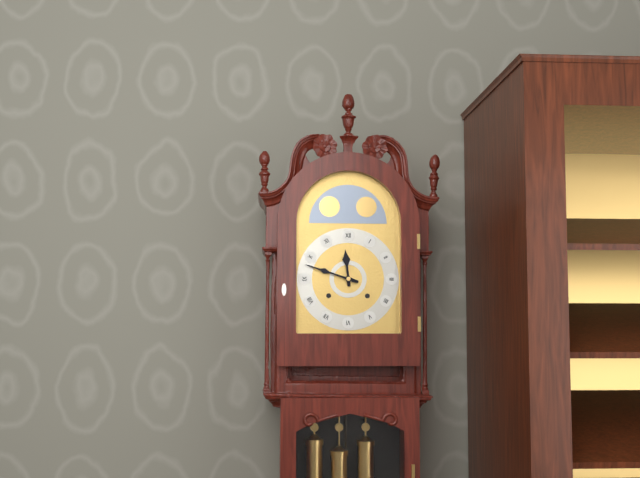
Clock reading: {"hour": 11, "minute": 48}
